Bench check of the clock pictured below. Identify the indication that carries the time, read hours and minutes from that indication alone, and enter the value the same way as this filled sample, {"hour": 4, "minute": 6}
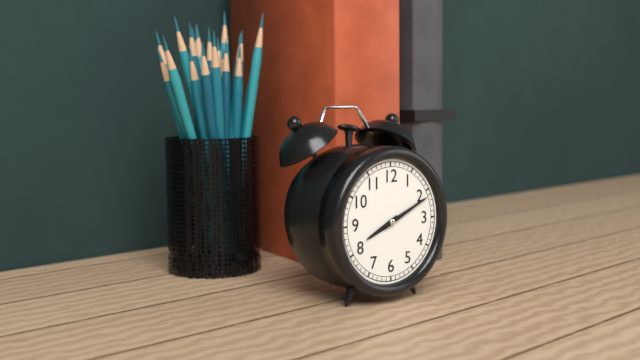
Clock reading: {"hour": 8, "minute": 11}
